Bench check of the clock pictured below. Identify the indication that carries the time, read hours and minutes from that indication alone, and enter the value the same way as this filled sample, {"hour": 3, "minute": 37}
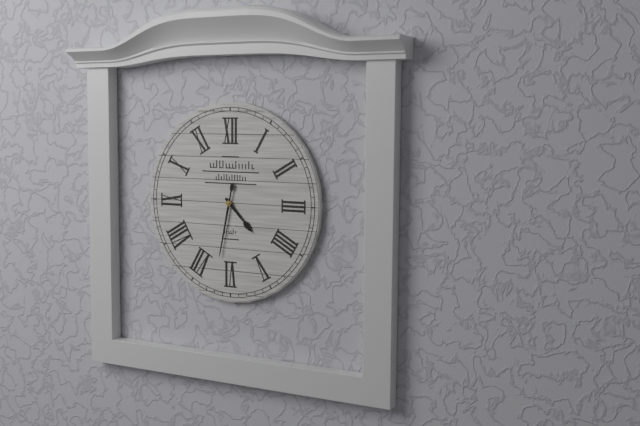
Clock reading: {"hour": 4, "minute": 32}
